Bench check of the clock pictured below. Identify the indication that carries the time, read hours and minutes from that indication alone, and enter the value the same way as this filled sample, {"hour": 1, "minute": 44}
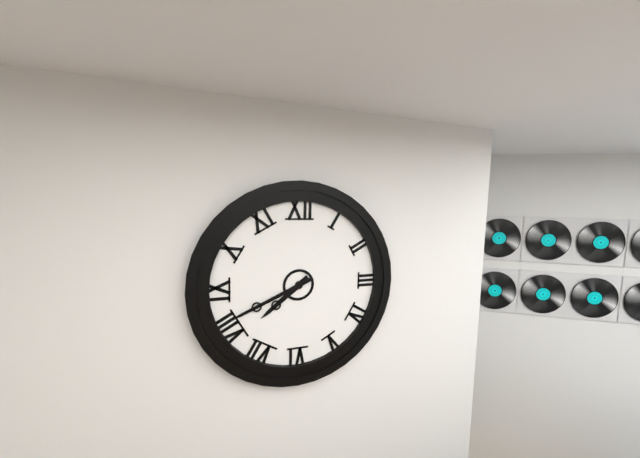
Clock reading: {"hour": 7, "minute": 41}
